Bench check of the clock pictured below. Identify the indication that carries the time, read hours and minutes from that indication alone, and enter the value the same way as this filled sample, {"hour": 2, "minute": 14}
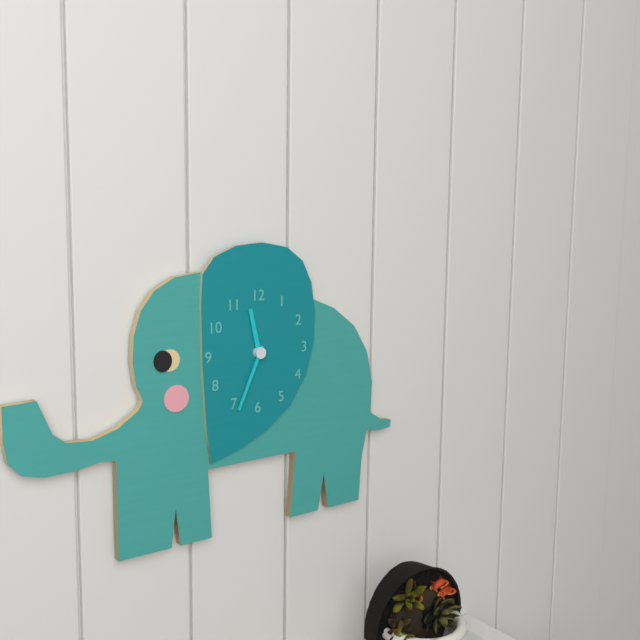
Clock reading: {"hour": 11, "minute": 34}
